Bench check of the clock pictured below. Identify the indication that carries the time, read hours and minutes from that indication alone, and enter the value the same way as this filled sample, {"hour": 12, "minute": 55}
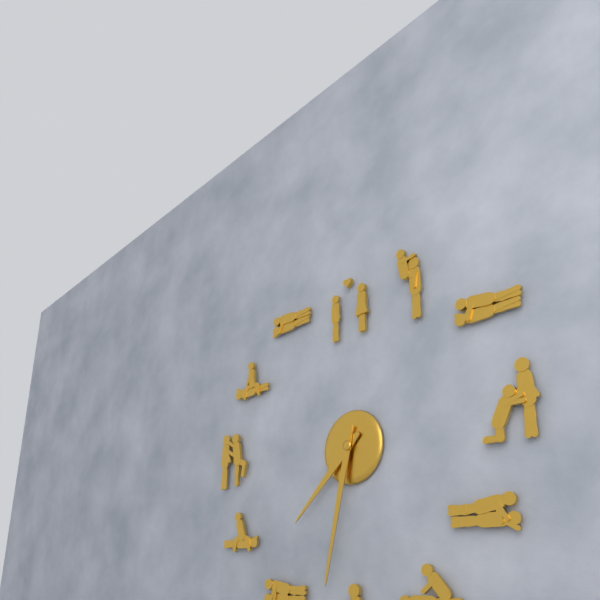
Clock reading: {"hour": 7, "minute": 32}
